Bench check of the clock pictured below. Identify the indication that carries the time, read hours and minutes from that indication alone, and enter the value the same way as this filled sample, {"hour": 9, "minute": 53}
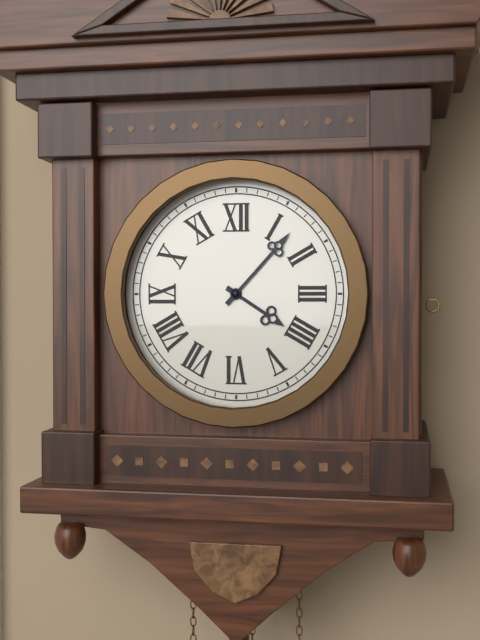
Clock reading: {"hour": 4, "minute": 7}
